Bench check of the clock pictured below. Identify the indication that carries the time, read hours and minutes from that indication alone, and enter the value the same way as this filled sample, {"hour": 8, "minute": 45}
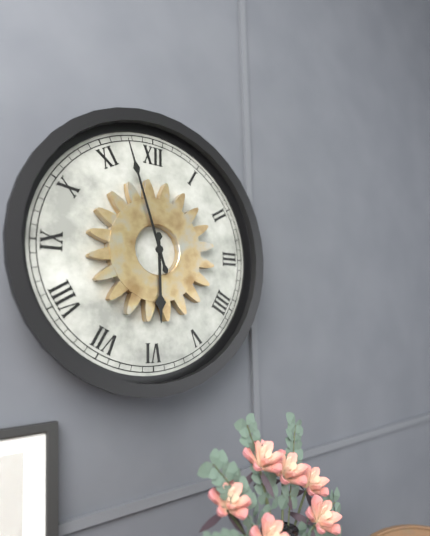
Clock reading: {"hour": 5, "minute": 57}
